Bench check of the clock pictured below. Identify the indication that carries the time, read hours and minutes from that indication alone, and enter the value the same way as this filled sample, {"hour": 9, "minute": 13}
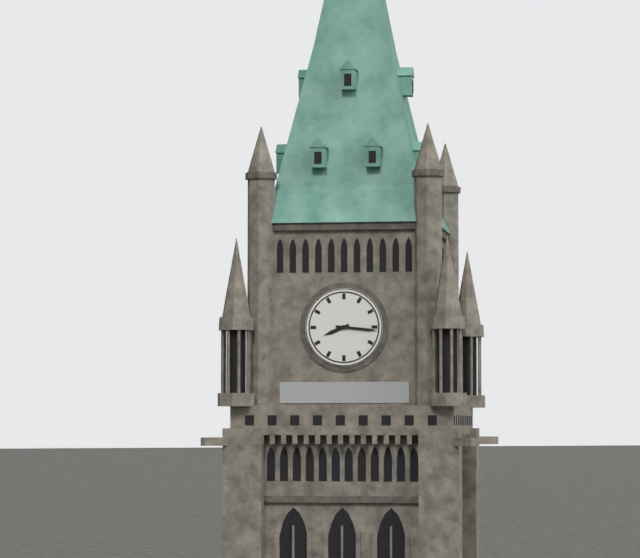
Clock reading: {"hour": 8, "minute": 16}
